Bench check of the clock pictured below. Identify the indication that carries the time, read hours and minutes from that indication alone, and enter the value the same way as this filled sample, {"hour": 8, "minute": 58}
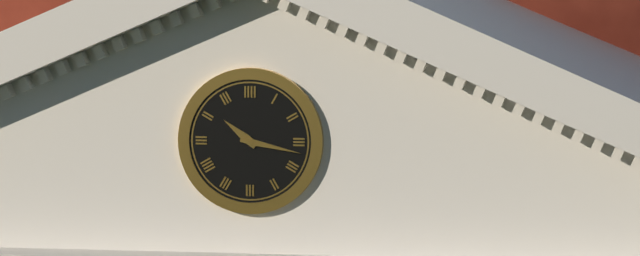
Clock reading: {"hour": 10, "minute": 17}
